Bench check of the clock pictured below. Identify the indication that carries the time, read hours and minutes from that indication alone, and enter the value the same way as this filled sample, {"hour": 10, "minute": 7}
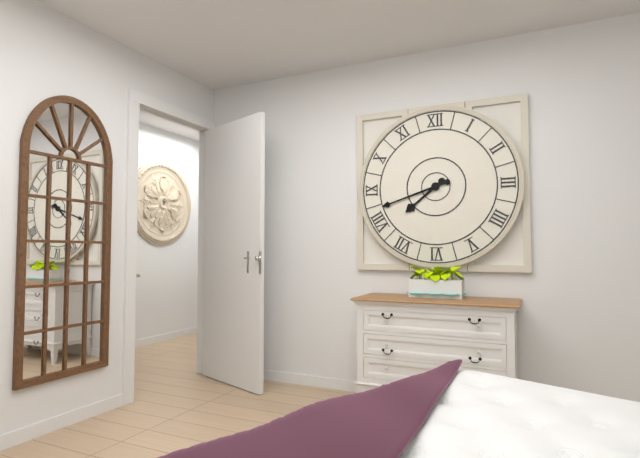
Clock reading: {"hour": 7, "minute": 42}
